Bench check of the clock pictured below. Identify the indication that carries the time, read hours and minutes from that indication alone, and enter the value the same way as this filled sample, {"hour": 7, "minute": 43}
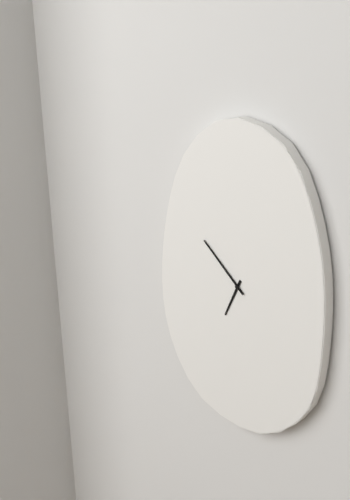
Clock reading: {"hour": 6, "minute": 52}
